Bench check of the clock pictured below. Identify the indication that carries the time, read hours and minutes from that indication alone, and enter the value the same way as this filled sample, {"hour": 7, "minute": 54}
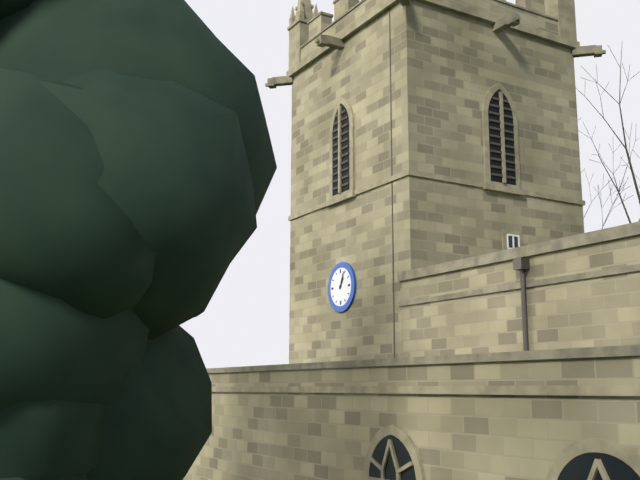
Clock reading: {"hour": 1, "minute": 4}
